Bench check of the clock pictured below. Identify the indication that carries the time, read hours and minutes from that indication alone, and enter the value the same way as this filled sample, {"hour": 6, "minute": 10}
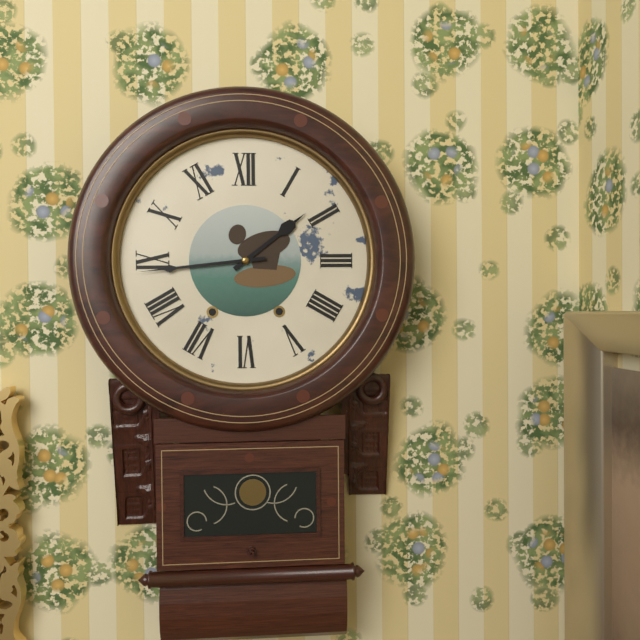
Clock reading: {"hour": 1, "minute": 44}
